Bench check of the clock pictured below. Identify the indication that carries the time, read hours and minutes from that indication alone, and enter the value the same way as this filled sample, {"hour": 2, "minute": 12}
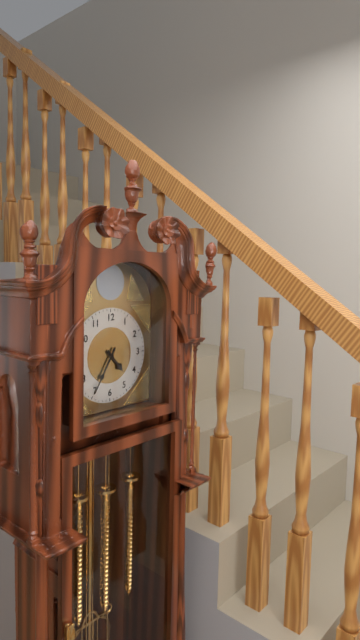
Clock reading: {"hour": 4, "minute": 35}
